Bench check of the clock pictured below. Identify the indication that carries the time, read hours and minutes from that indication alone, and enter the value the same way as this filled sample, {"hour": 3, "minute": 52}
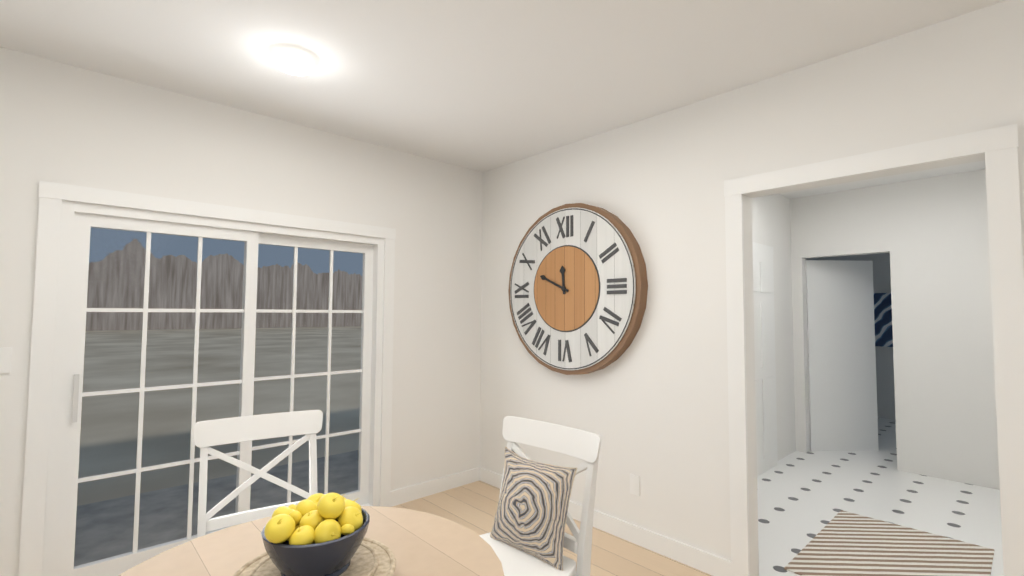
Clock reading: {"hour": 11, "minute": 49}
